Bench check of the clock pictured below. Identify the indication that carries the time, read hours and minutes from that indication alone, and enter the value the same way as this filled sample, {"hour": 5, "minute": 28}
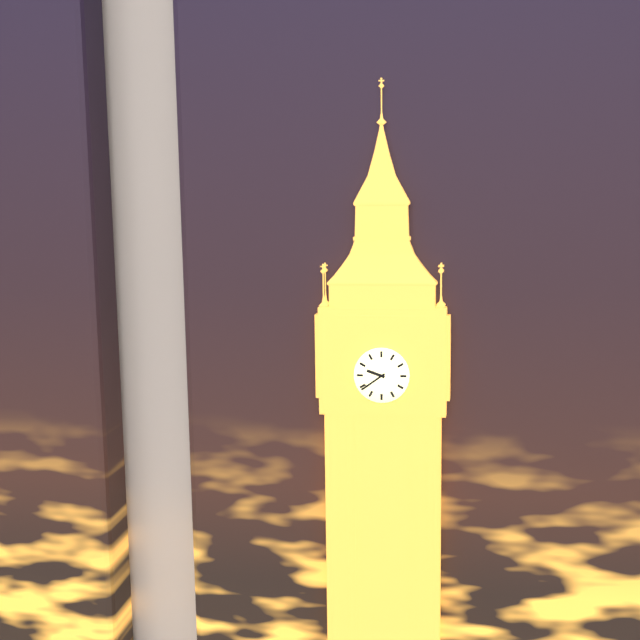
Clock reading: {"hour": 9, "minute": 39}
